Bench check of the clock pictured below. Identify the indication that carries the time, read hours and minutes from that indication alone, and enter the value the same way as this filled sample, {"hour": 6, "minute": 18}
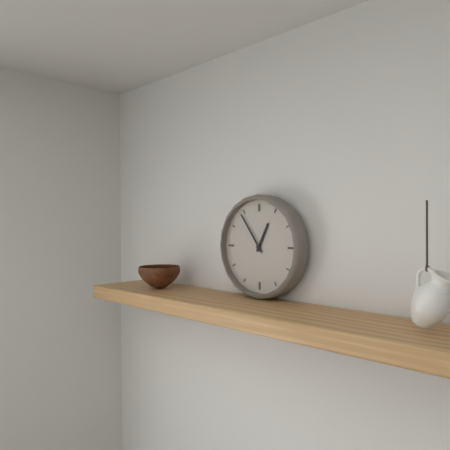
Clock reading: {"hour": 12, "minute": 54}
